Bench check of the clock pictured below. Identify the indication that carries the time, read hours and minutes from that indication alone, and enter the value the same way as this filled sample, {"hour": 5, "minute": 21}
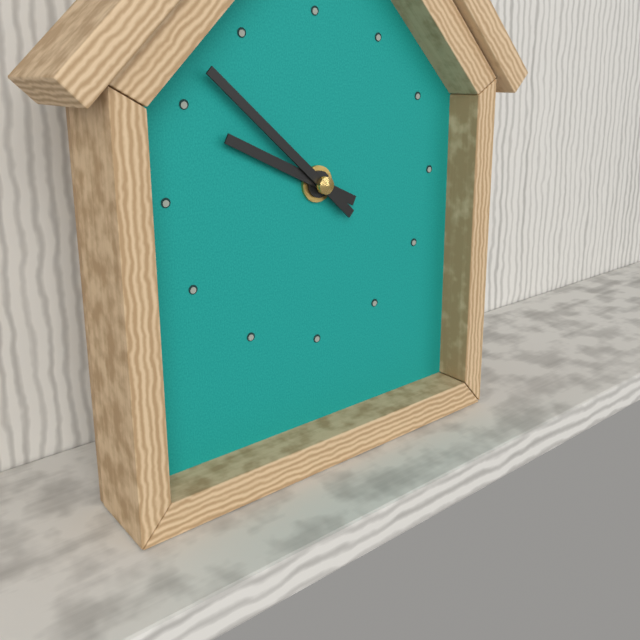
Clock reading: {"hour": 9, "minute": 52}
